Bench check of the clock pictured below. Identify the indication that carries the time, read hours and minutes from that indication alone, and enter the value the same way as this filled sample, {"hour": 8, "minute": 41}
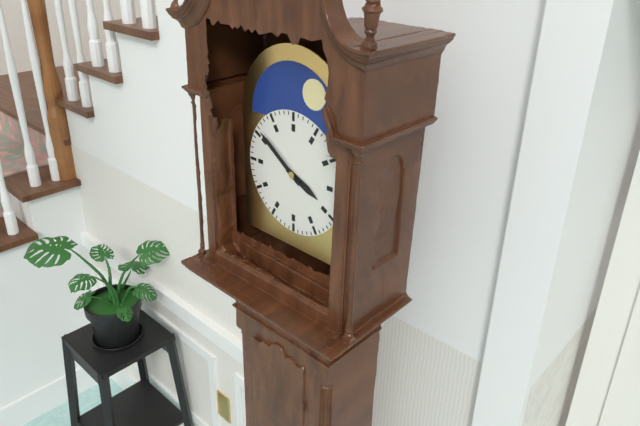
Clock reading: {"hour": 3, "minute": 51}
